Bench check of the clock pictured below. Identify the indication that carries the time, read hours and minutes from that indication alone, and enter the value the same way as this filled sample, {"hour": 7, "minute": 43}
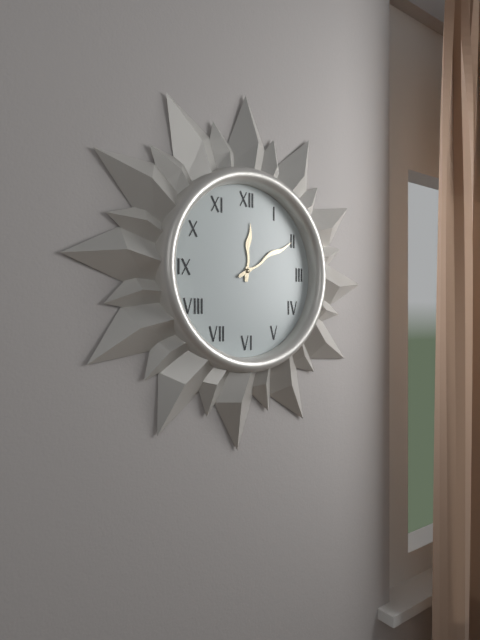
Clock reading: {"hour": 12, "minute": 10}
